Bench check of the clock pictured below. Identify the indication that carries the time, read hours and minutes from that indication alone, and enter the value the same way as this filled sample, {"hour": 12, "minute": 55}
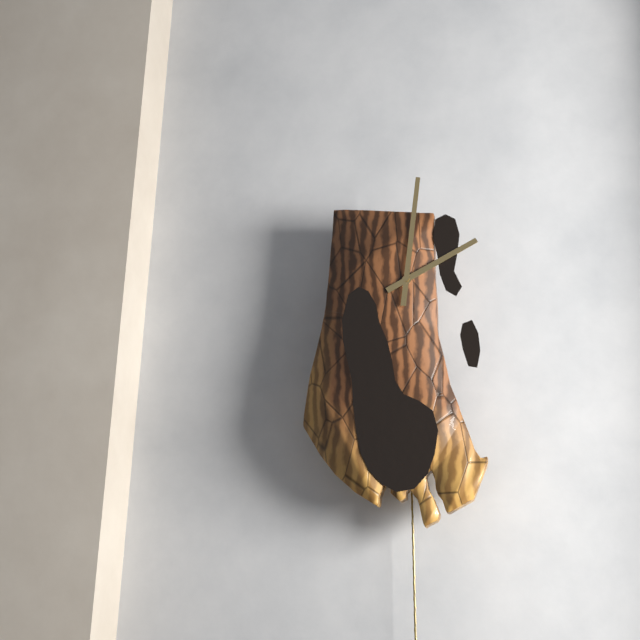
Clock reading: {"hour": 2, "minute": 1}
